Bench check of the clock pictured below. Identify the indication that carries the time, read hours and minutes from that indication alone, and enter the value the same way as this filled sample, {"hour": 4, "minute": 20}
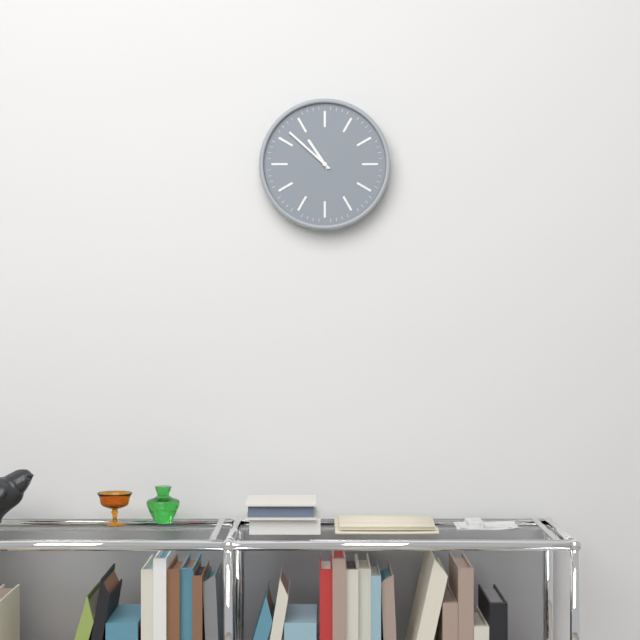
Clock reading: {"hour": 10, "minute": 52}
